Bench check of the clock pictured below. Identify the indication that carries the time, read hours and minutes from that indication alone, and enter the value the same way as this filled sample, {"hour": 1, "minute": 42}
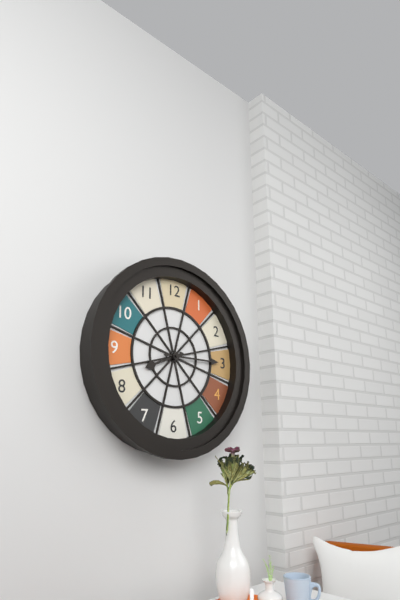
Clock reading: {"hour": 8, "minute": 15}
